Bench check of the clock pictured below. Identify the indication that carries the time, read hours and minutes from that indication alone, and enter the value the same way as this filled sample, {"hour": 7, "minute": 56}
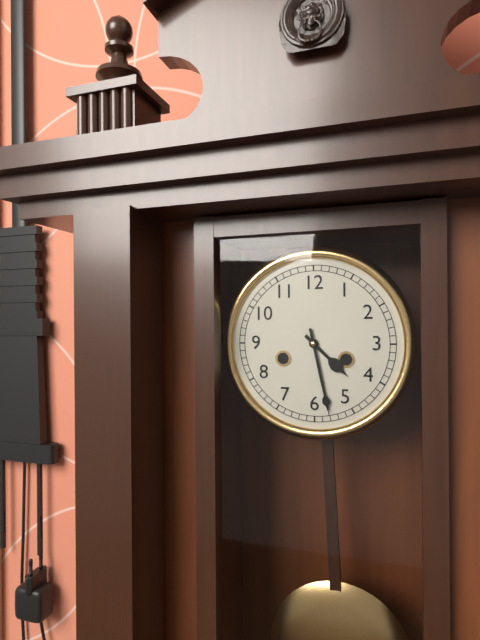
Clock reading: {"hour": 4, "minute": 28}
